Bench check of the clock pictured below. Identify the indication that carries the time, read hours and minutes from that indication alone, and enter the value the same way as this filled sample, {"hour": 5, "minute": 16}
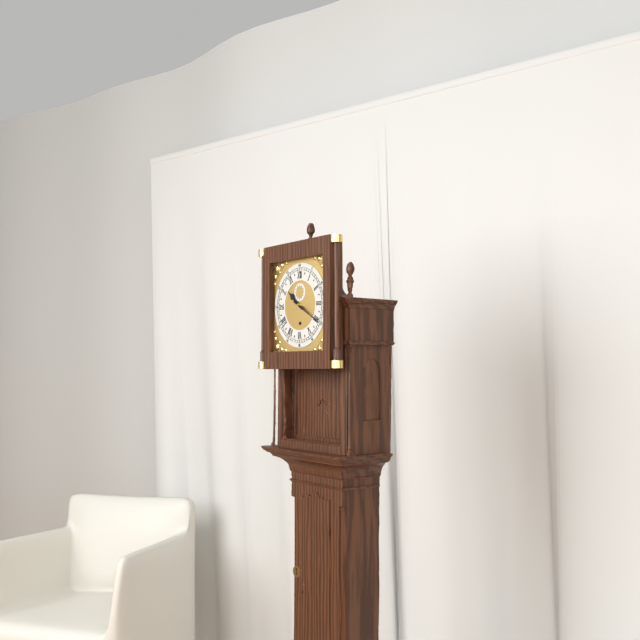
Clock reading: {"hour": 10, "minute": 20}
